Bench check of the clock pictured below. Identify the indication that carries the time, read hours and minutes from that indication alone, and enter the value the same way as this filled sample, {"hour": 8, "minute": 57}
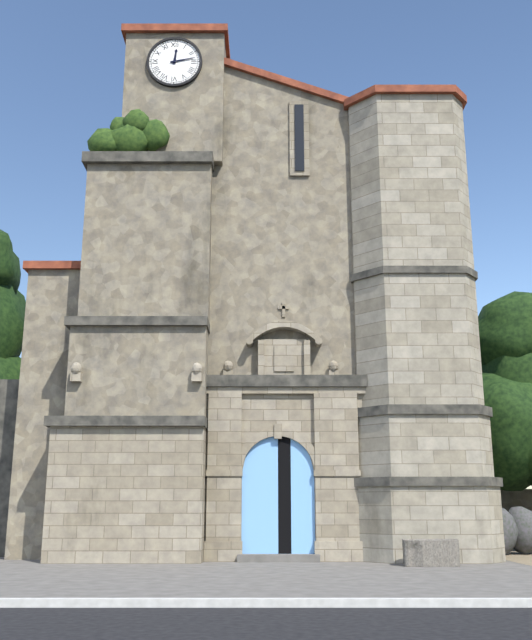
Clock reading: {"hour": 12, "minute": 13}
